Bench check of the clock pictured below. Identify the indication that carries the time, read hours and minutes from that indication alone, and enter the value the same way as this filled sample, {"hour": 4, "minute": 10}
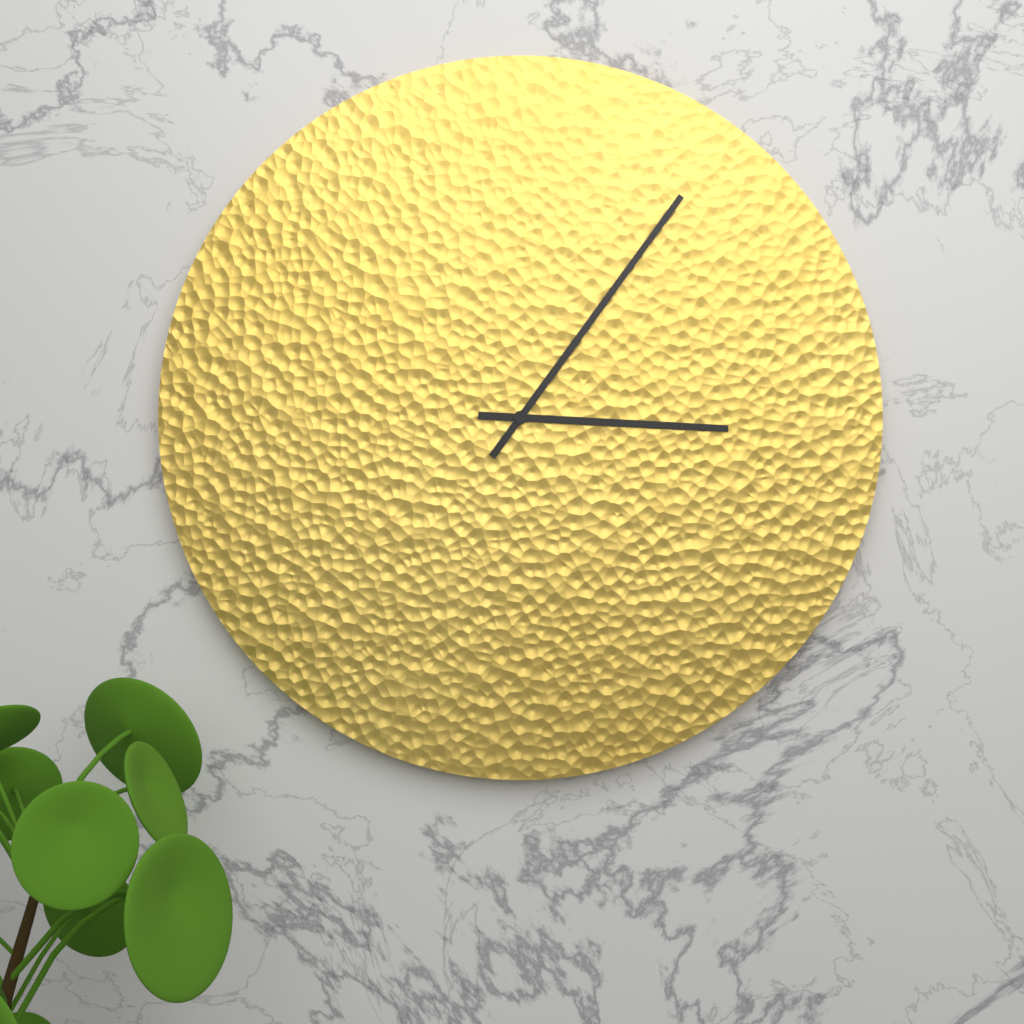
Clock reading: {"hour": 3, "minute": 6}
